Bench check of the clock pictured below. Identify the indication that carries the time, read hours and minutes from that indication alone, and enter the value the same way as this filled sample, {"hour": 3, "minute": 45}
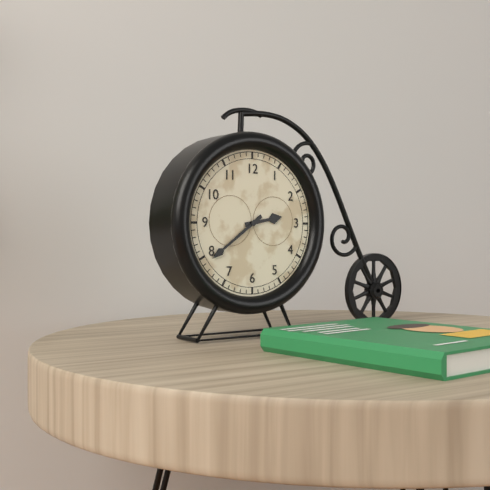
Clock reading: {"hour": 2, "minute": 39}
